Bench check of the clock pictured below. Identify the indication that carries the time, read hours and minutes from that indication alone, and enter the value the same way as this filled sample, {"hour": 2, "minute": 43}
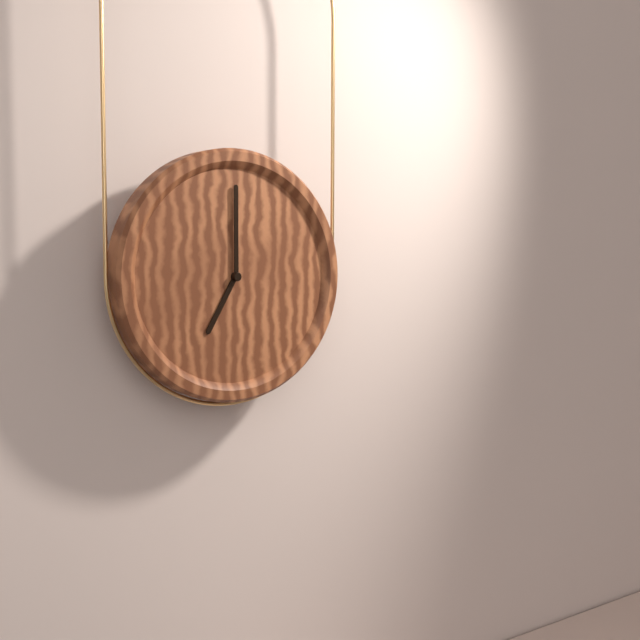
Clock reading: {"hour": 7, "minute": 0}
